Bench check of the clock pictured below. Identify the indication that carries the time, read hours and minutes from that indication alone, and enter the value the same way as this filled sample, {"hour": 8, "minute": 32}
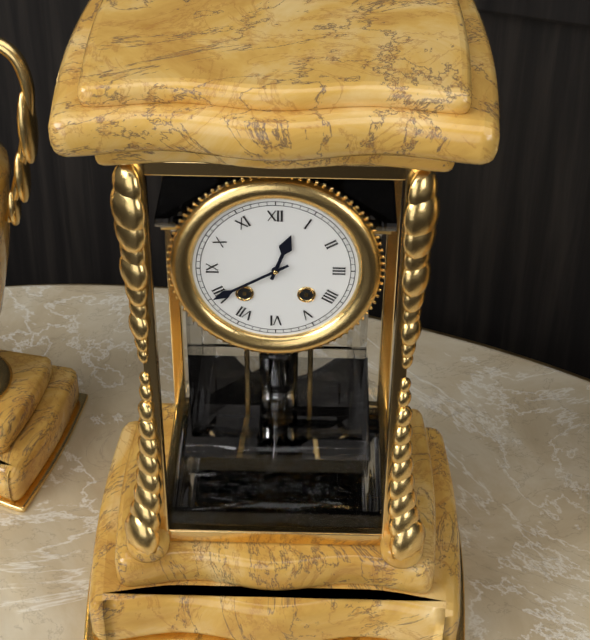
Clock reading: {"hour": 12, "minute": 40}
